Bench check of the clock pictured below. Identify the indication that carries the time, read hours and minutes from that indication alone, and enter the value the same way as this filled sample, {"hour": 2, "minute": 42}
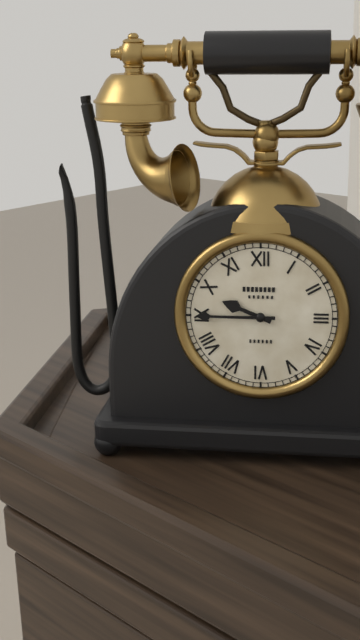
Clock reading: {"hour": 9, "minute": 45}
